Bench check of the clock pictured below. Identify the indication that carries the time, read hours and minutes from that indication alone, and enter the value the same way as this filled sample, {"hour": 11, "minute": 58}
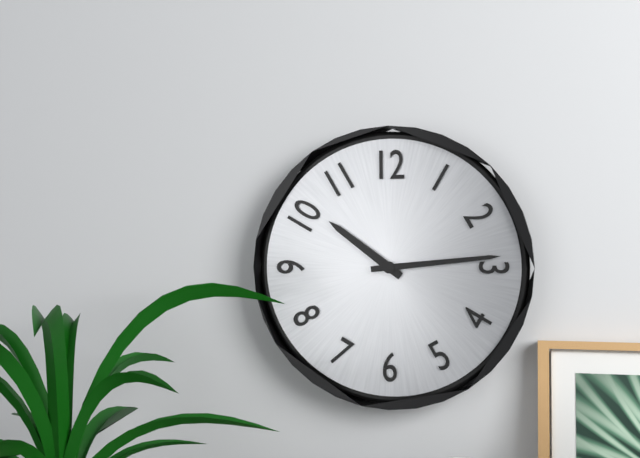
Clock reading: {"hour": 10, "minute": 14}
